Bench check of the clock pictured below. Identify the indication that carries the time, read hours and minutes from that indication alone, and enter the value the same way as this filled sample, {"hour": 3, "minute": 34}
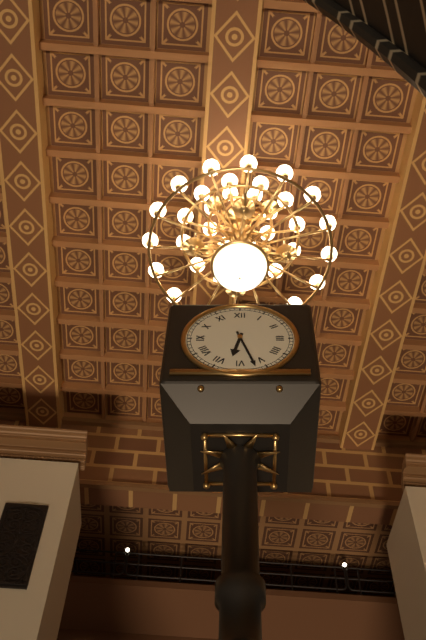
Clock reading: {"hour": 6, "minute": 27}
